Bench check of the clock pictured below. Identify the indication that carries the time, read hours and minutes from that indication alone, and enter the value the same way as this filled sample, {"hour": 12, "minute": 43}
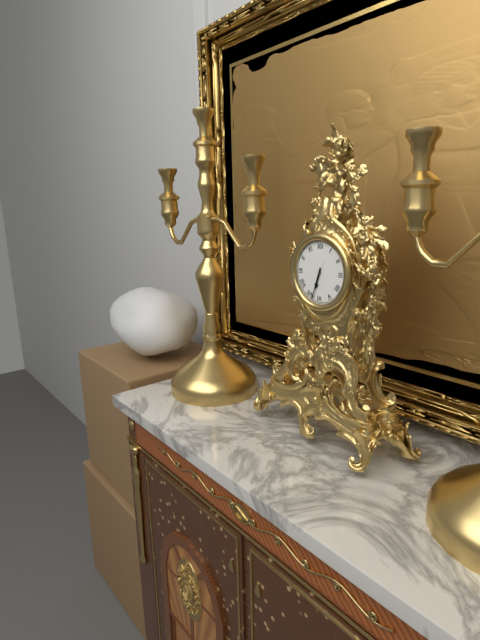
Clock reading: {"hour": 6, "minute": 33}
